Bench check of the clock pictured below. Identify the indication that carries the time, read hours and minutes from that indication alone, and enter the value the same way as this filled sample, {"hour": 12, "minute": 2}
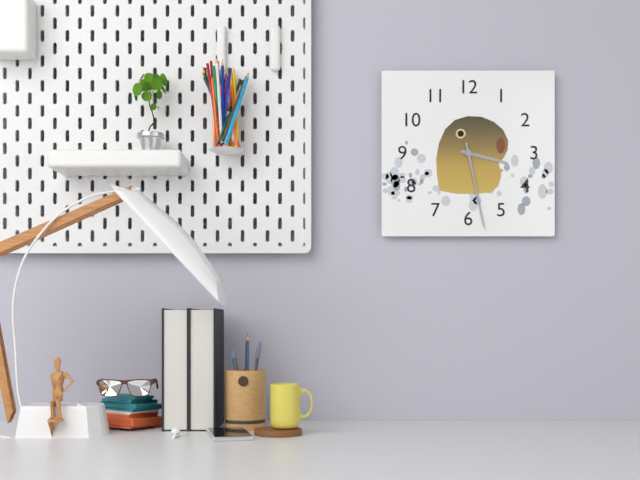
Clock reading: {"hour": 3, "minute": 28}
